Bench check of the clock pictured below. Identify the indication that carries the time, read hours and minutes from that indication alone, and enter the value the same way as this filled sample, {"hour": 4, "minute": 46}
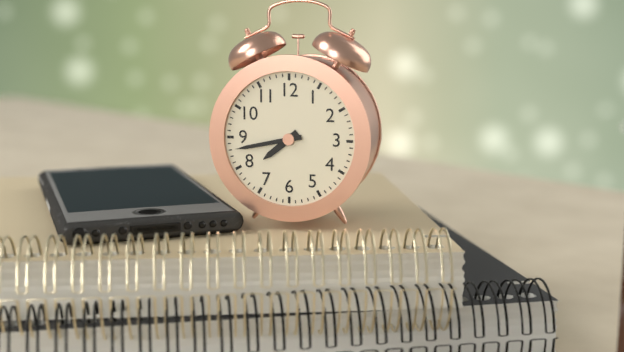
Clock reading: {"hour": 7, "minute": 43}
